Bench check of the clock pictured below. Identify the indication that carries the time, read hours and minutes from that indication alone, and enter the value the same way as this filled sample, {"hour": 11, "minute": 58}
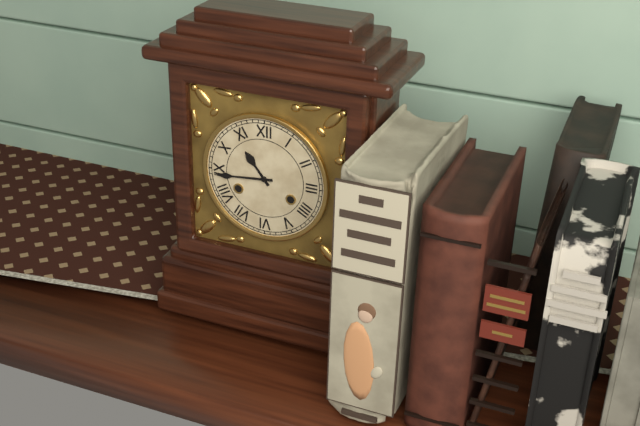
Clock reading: {"hour": 10, "minute": 44}
